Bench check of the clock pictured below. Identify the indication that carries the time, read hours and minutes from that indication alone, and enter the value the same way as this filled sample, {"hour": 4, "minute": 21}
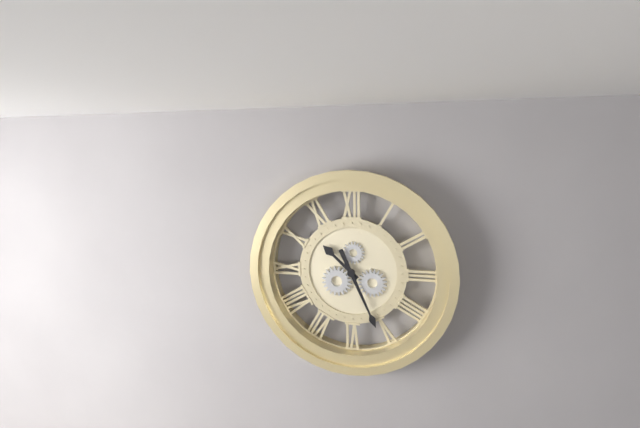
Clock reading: {"hour": 10, "minute": 26}
